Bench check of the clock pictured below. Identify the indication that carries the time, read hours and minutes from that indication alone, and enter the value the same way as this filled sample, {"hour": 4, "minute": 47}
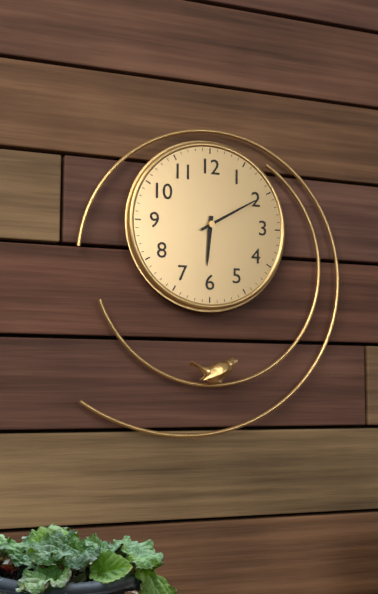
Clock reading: {"hour": 6, "minute": 10}
